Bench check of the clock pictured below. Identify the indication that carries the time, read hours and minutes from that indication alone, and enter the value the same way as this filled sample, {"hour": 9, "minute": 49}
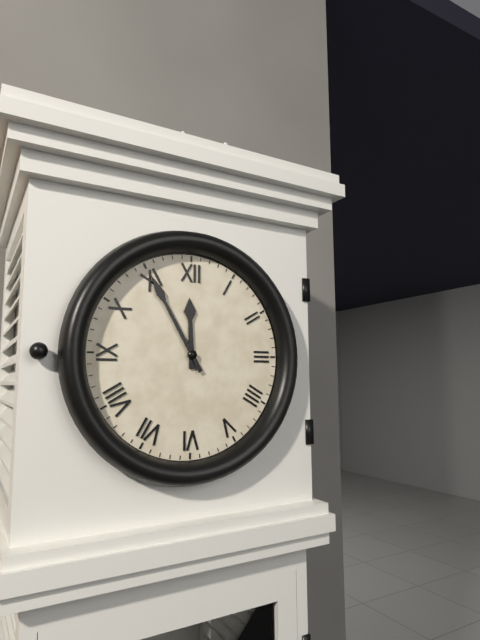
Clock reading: {"hour": 11, "minute": 55}
